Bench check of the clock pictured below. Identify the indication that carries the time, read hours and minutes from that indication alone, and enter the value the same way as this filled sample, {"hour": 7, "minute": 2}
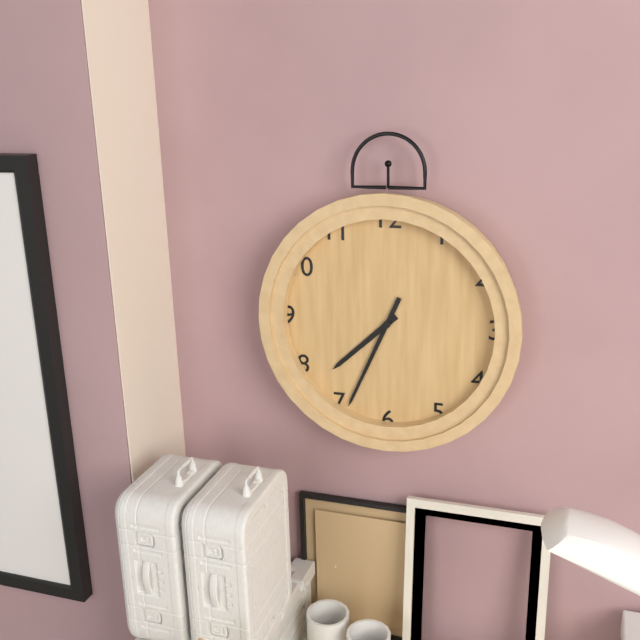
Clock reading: {"hour": 7, "minute": 34}
